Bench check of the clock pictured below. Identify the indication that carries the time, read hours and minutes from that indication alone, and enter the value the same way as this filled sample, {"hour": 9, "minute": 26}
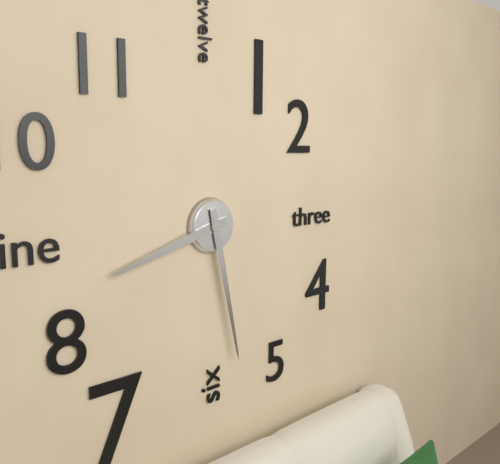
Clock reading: {"hour": 8, "minute": 28}
